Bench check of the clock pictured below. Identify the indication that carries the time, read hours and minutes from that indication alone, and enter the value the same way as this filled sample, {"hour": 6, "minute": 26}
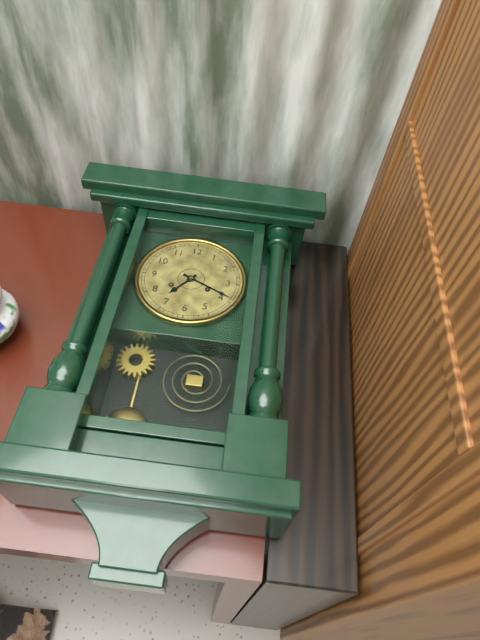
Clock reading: {"hour": 7, "minute": 19}
